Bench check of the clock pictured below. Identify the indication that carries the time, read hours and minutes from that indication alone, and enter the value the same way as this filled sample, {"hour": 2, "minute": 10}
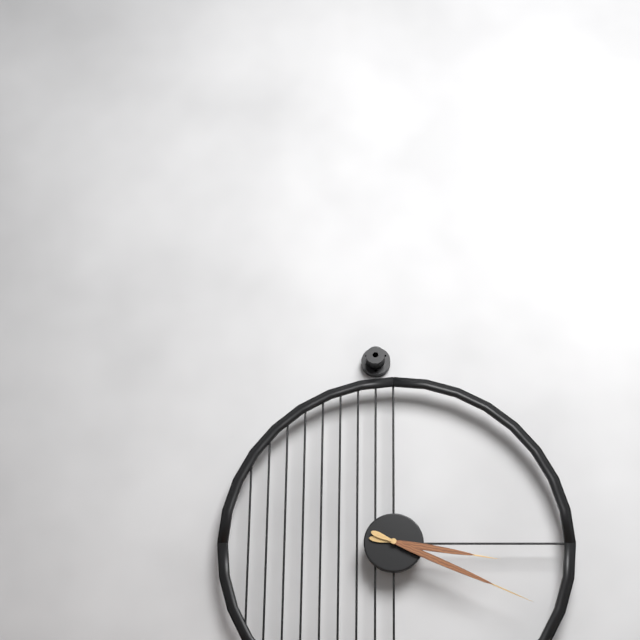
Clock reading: {"hour": 3, "minute": 19}
